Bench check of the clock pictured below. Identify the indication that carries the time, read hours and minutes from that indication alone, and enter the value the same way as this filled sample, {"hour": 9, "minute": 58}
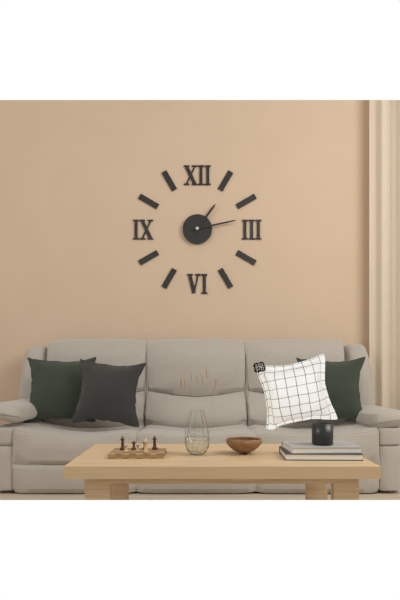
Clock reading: {"hour": 1, "minute": 13}
